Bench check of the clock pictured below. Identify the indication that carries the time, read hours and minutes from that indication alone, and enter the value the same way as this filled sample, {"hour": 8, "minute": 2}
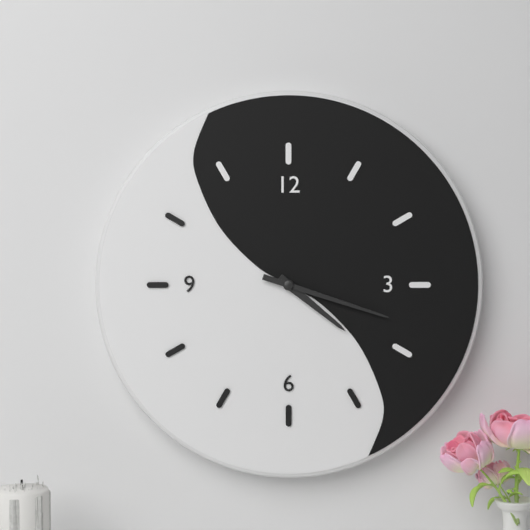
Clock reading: {"hour": 4, "minute": 18}
